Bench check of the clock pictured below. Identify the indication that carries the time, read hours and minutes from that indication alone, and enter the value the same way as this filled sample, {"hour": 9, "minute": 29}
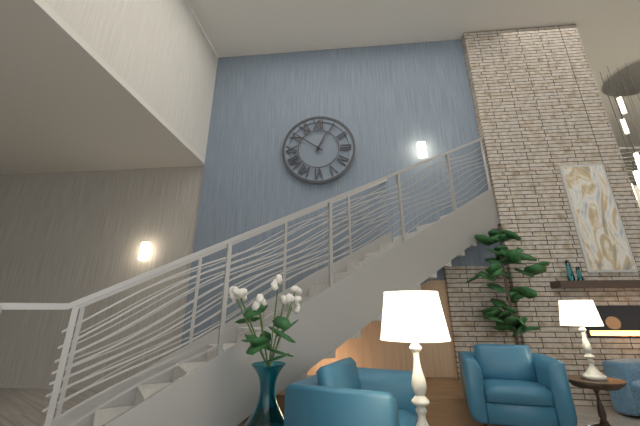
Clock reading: {"hour": 12, "minute": 51}
